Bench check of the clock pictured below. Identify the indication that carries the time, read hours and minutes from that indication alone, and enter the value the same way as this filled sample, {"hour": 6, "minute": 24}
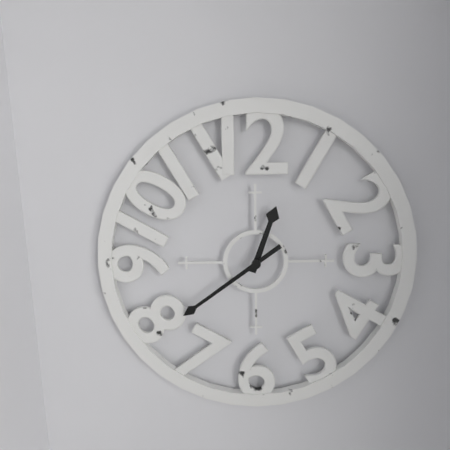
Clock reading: {"hour": 12, "minute": 39}
